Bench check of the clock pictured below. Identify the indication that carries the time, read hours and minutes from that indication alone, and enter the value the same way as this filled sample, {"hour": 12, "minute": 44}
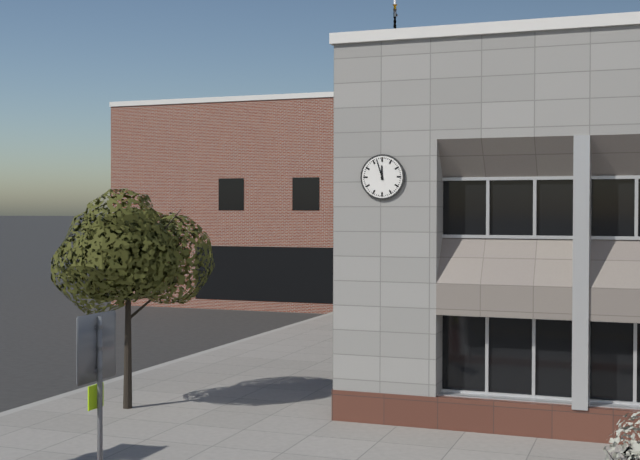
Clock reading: {"hour": 11, "minute": 57}
